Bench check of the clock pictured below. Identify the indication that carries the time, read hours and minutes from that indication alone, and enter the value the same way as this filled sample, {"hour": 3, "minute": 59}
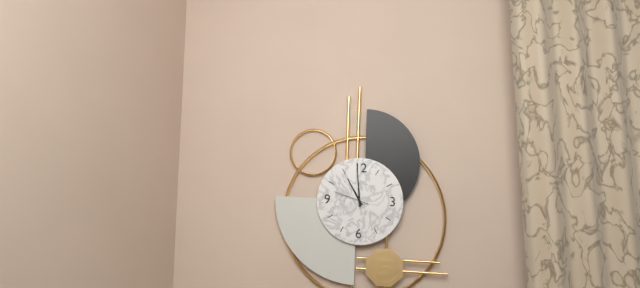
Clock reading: {"hour": 10, "minute": 59}
